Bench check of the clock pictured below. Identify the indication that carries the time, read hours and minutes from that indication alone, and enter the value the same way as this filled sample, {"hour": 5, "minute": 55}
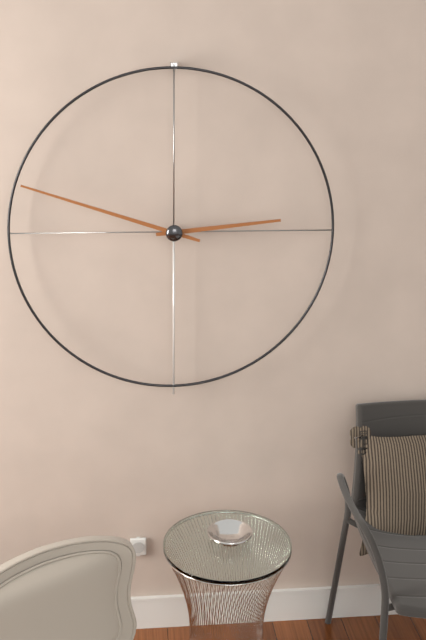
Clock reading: {"hour": 2, "minute": 48}
